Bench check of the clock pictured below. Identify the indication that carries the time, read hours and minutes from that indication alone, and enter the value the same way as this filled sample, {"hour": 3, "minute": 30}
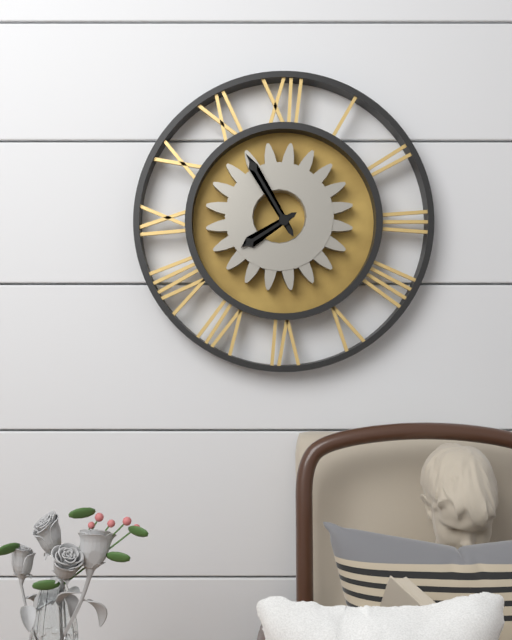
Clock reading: {"hour": 7, "minute": 55}
